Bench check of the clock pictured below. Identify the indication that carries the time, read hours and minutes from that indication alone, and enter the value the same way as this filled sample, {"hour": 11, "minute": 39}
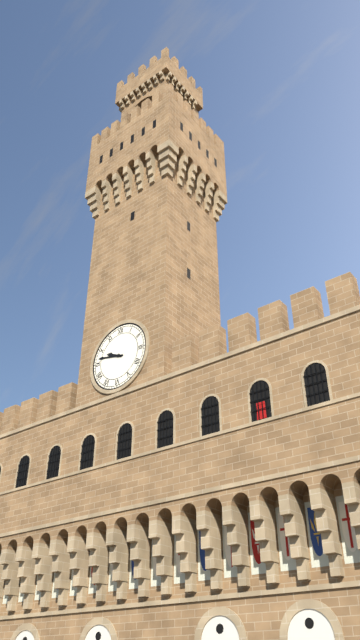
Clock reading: {"hour": 9, "minute": 47}
